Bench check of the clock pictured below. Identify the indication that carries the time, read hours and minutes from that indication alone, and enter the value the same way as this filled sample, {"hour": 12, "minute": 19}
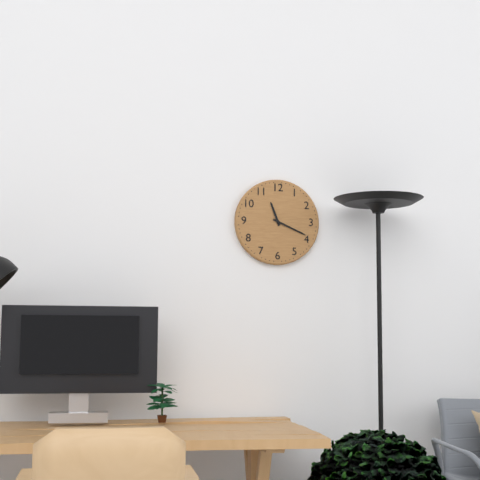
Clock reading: {"hour": 11, "minute": 19}
